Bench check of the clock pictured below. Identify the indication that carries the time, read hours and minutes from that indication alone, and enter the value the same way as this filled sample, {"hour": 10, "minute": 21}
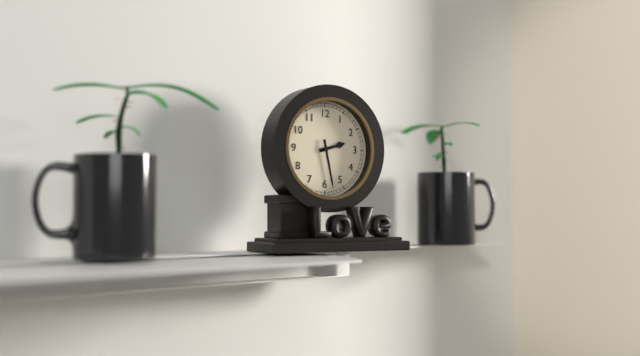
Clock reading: {"hour": 2, "minute": 28}
